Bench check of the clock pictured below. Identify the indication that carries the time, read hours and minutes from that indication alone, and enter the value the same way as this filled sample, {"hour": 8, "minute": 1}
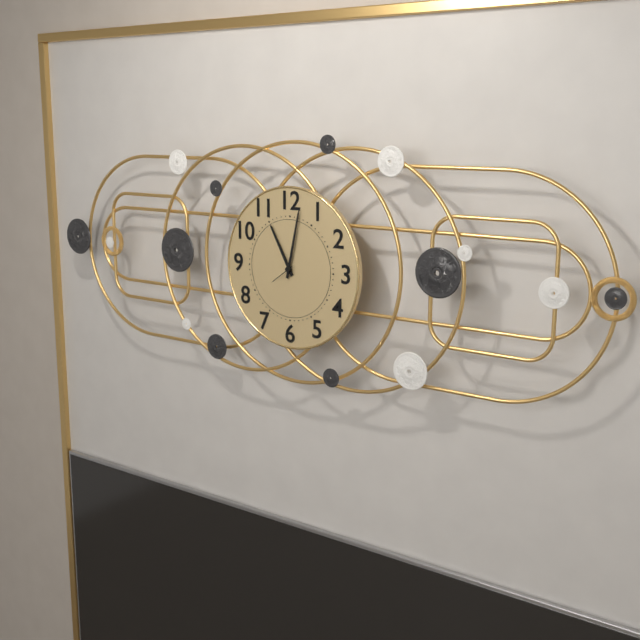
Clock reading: {"hour": 11, "minute": 2}
